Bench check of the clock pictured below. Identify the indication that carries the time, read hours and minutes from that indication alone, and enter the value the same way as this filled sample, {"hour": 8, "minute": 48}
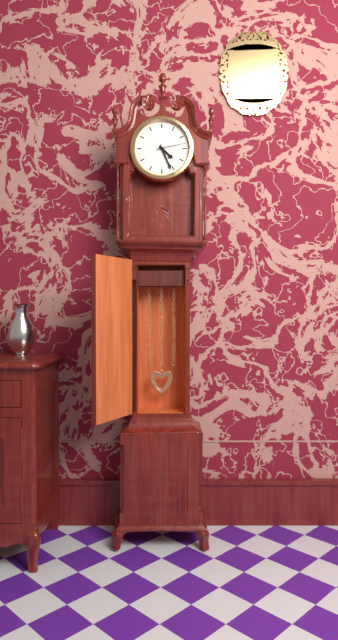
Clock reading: {"hour": 4, "minute": 26}
